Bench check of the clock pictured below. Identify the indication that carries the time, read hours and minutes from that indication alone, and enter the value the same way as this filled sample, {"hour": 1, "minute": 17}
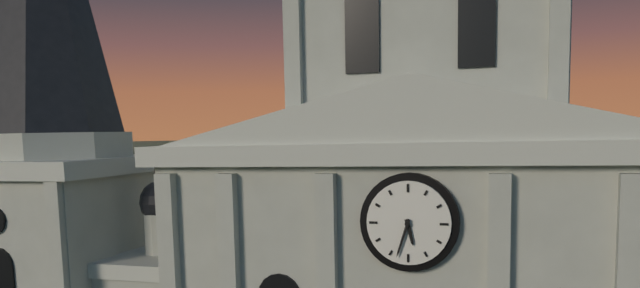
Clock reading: {"hour": 5, "minute": 33}
